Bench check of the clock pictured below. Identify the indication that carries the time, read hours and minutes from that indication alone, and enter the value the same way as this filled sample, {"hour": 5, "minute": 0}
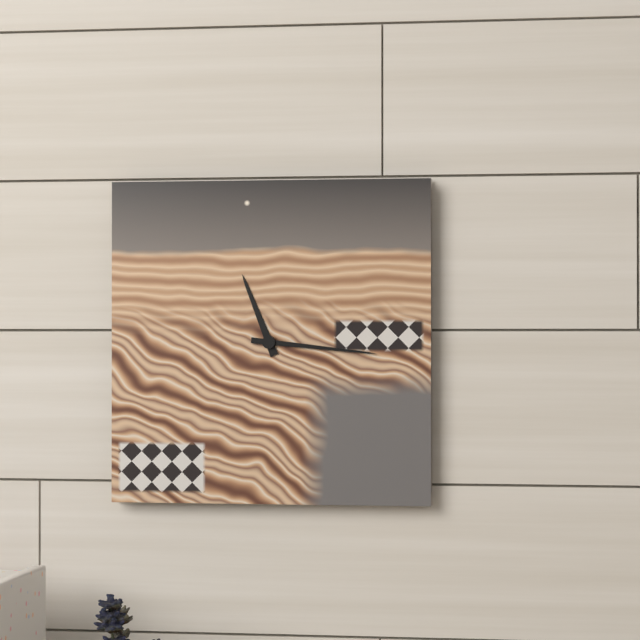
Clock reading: {"hour": 11, "minute": 16}
